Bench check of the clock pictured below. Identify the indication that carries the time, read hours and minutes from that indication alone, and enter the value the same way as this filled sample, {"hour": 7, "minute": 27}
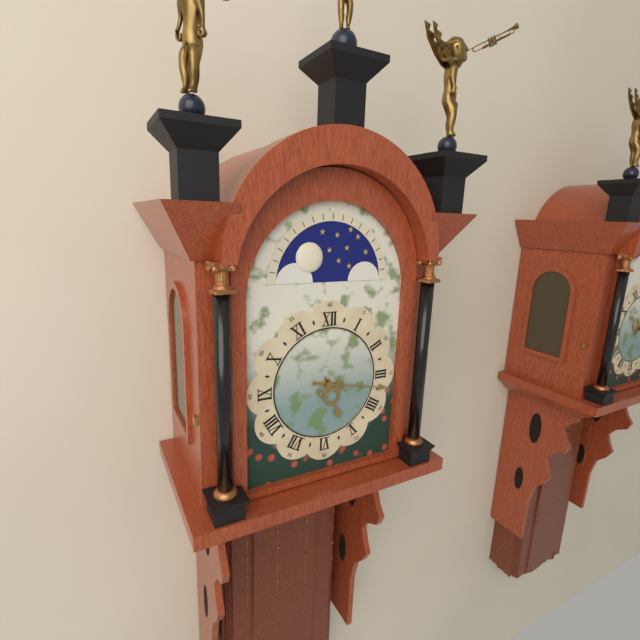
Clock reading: {"hour": 5, "minute": 17}
